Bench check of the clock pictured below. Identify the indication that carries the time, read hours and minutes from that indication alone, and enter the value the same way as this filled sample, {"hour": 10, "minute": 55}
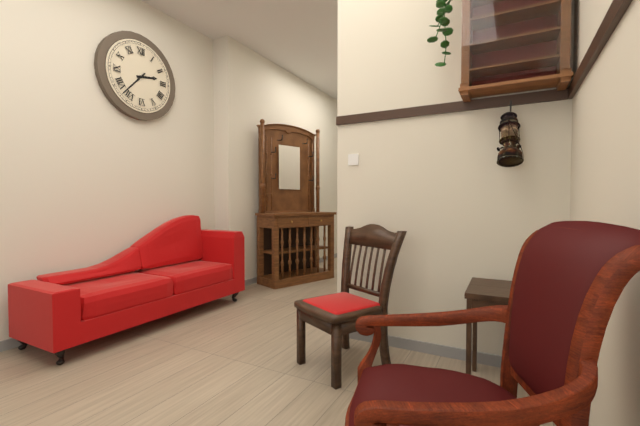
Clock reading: {"hour": 2, "minute": 37}
